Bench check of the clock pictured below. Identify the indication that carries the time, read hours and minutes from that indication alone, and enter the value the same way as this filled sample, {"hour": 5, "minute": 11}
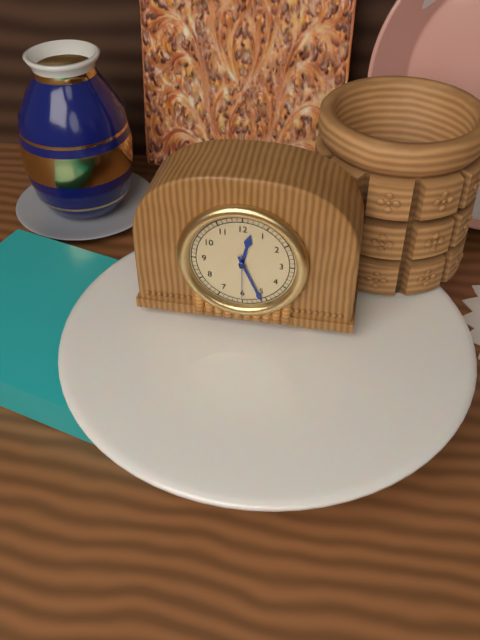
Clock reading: {"hour": 12, "minute": 26}
